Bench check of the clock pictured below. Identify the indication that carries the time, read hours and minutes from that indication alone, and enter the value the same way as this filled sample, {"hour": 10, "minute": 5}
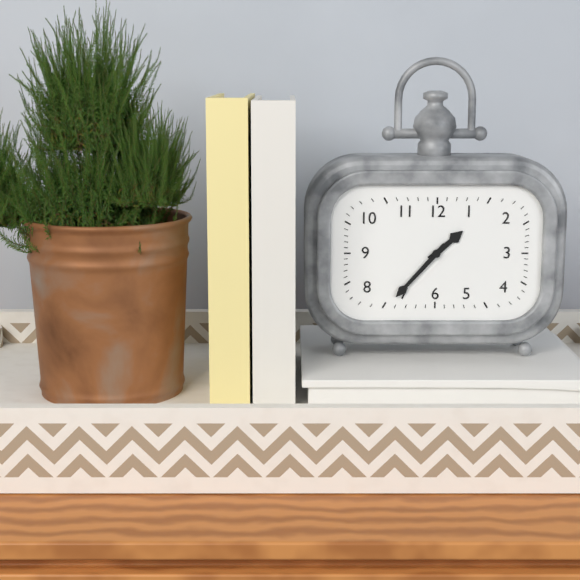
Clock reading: {"hour": 1, "minute": 37}
